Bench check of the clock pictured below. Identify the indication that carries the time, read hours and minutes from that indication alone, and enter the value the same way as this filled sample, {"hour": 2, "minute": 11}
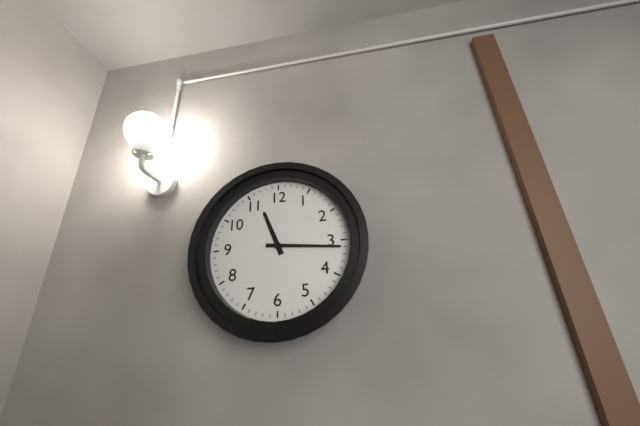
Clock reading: {"hour": 11, "minute": 16}
